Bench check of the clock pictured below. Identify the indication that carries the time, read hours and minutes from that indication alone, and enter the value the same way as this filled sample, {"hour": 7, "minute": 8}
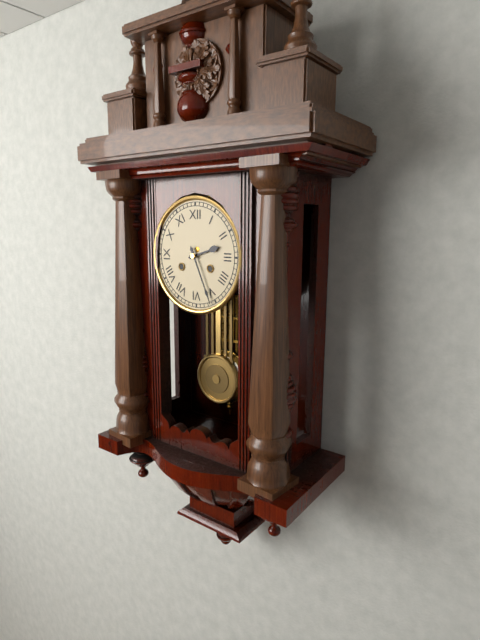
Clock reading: {"hour": 2, "minute": 26}
